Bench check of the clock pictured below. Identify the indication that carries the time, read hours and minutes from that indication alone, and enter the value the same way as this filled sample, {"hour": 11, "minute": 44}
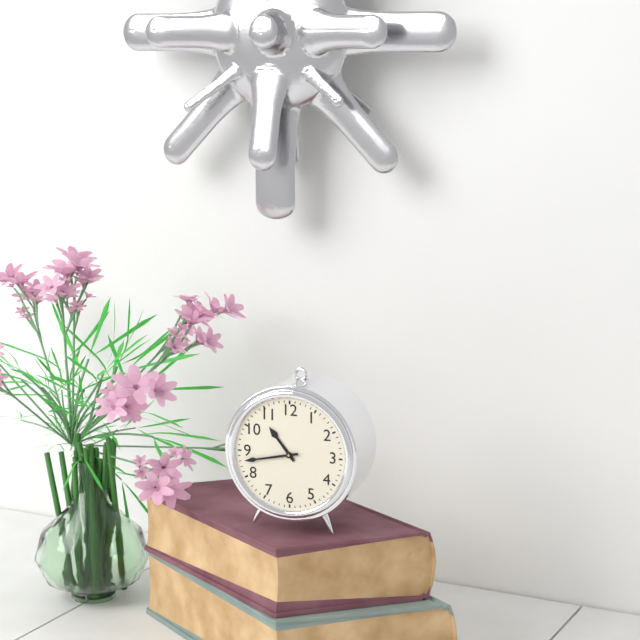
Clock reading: {"hour": 10, "minute": 43}
